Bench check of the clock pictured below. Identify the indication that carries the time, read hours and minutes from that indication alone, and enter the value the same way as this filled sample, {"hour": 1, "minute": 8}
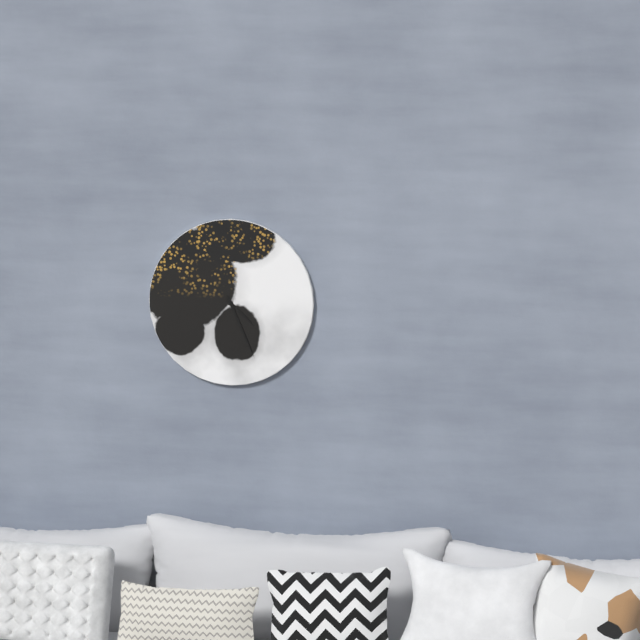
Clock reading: {"hour": 4, "minute": 26}
